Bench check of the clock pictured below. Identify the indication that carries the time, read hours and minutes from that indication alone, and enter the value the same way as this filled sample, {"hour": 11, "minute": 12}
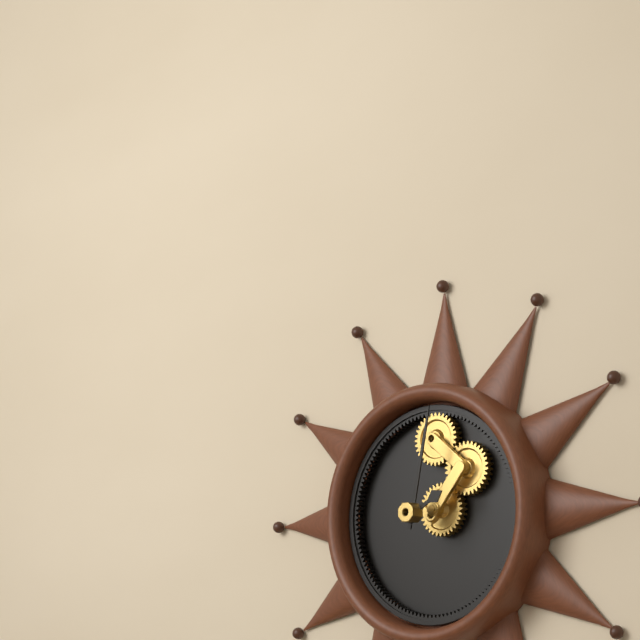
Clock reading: {"hour": 2, "minute": 2}
